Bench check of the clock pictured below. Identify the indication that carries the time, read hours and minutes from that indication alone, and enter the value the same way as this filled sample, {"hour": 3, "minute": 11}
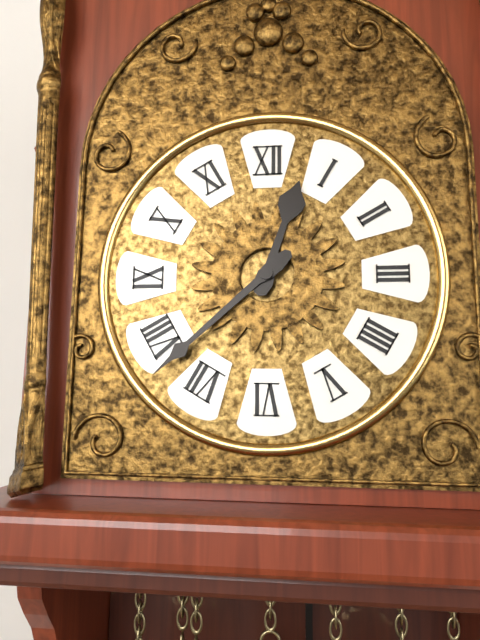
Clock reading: {"hour": 12, "minute": 38}
